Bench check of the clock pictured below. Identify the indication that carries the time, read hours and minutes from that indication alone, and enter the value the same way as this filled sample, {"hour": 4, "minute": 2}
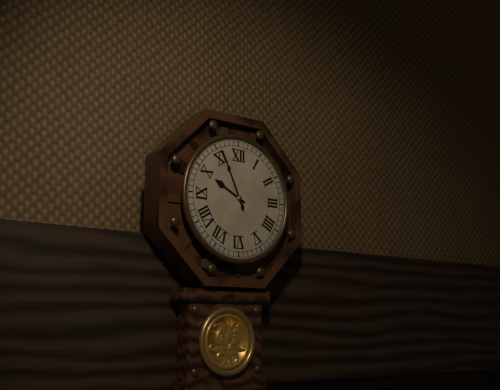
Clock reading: {"hour": 9, "minute": 56}
